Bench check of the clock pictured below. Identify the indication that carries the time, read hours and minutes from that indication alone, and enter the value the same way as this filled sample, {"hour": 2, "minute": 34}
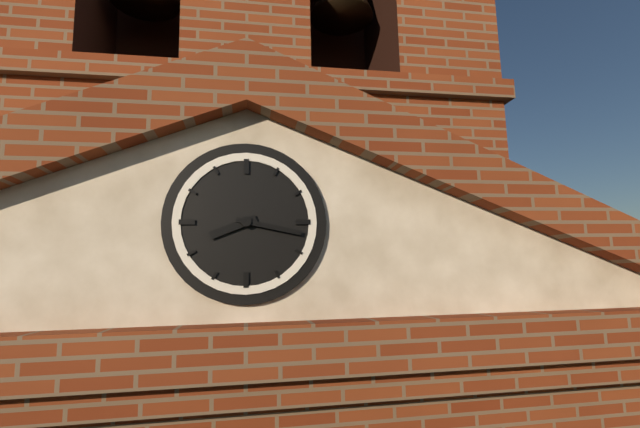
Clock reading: {"hour": 8, "minute": 17}
